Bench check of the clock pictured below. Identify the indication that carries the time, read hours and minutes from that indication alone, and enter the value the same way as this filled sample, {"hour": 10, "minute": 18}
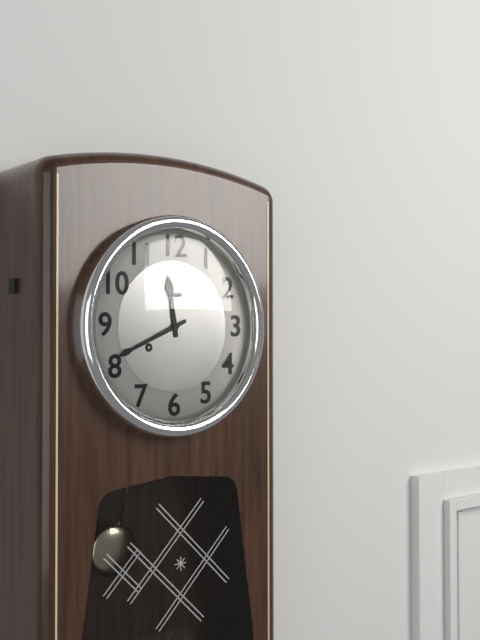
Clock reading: {"hour": 11, "minute": 41}
